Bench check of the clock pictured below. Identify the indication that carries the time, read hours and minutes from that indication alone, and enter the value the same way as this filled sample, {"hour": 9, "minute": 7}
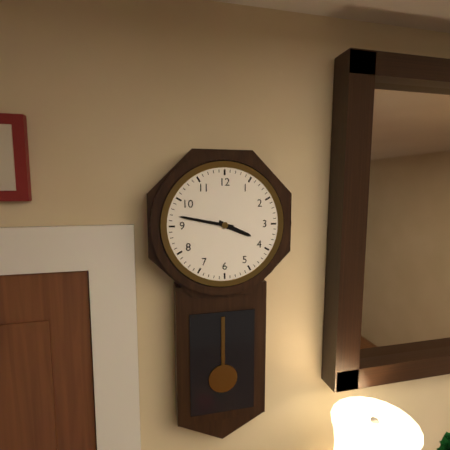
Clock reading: {"hour": 3, "minute": 47}
